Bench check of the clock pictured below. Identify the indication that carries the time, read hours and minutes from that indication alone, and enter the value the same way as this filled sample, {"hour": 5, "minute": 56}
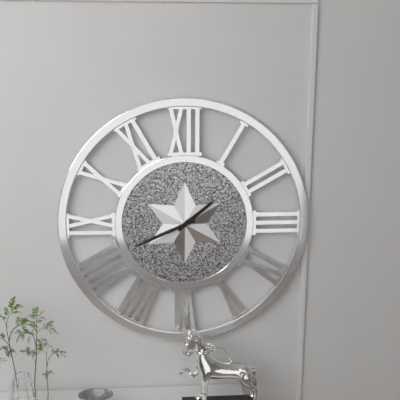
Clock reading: {"hour": 1, "minute": 41}
